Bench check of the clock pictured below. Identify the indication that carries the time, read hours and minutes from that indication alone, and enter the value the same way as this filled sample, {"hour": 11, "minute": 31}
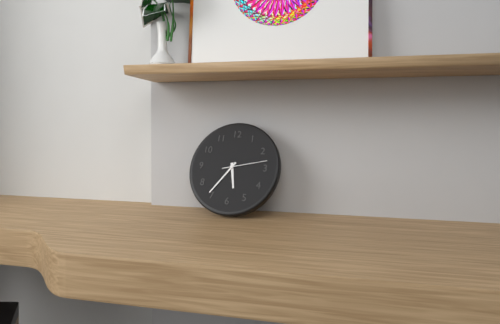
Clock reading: {"hour": 5, "minute": 36}
